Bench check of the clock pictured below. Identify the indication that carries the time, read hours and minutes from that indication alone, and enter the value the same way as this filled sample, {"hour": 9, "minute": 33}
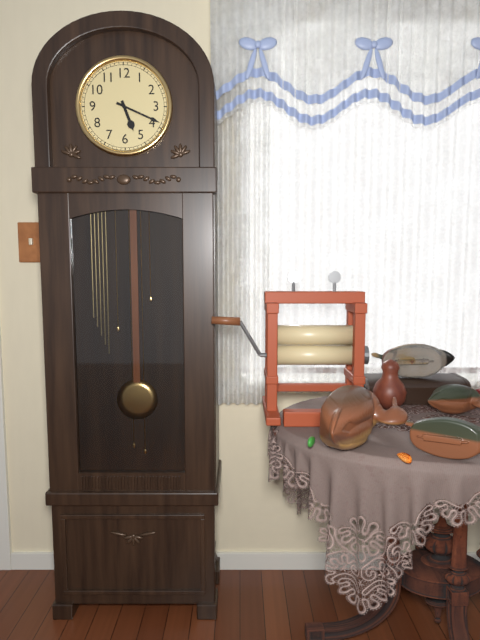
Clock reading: {"hour": 5, "minute": 19}
